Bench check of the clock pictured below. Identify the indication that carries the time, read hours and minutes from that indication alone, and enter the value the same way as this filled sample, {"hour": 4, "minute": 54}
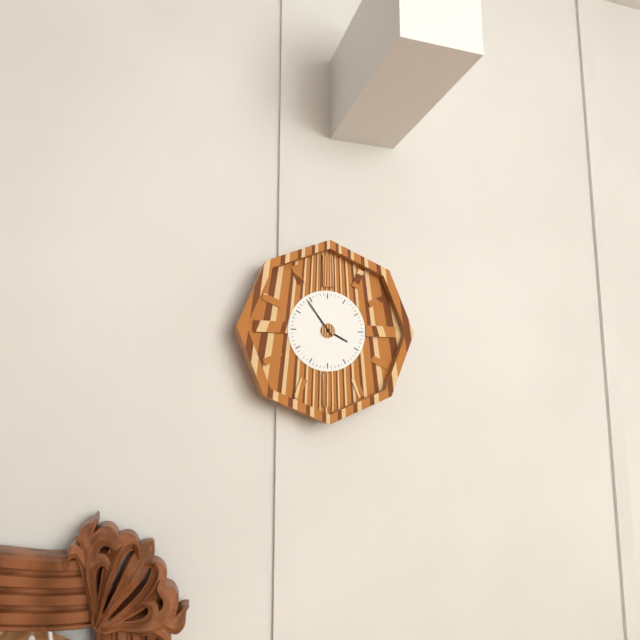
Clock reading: {"hour": 3, "minute": 54}
